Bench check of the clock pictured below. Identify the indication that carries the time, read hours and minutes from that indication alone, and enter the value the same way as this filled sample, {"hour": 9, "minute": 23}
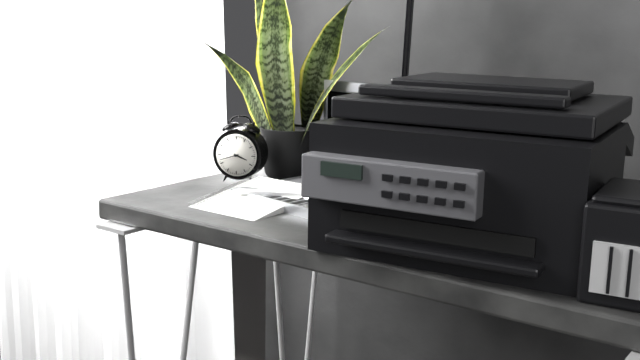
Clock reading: {"hour": 3, "minute": 42}
